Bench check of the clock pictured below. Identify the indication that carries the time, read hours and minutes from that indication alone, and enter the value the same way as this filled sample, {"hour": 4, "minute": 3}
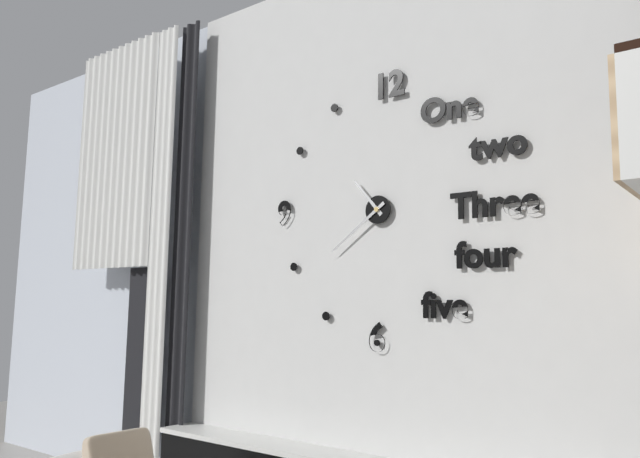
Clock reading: {"hour": 10, "minute": 39}
